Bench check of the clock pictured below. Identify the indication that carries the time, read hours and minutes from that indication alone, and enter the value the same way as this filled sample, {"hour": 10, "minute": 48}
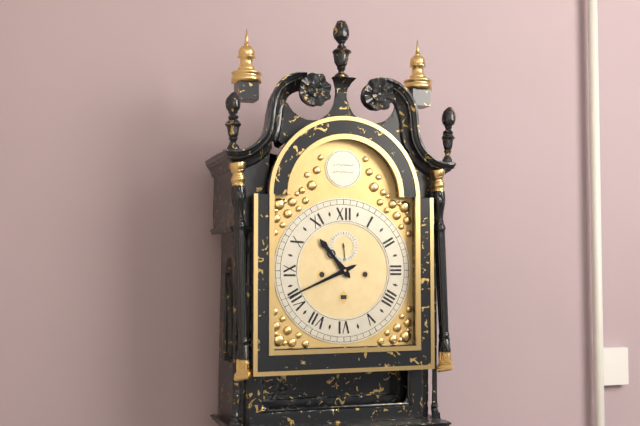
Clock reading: {"hour": 10, "minute": 41}
